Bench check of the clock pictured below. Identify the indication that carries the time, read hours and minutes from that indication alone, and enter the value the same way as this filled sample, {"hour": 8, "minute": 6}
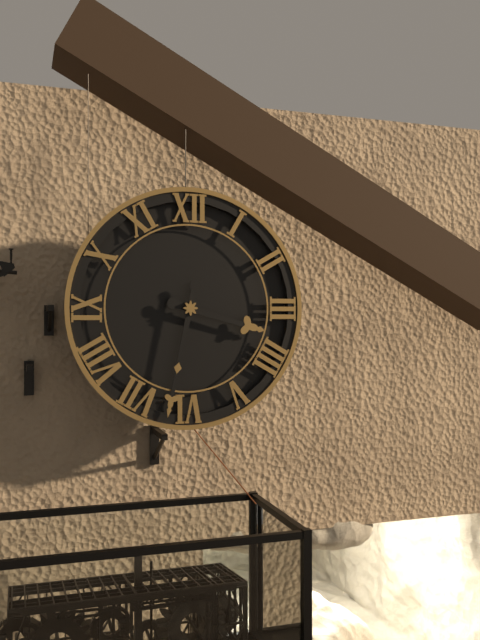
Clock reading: {"hour": 3, "minute": 32}
